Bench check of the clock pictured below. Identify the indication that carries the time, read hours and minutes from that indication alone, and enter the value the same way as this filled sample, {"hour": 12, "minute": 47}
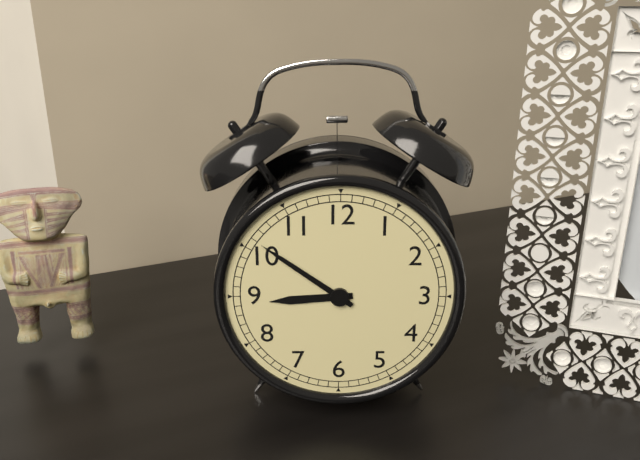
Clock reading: {"hour": 8, "minute": 51}
